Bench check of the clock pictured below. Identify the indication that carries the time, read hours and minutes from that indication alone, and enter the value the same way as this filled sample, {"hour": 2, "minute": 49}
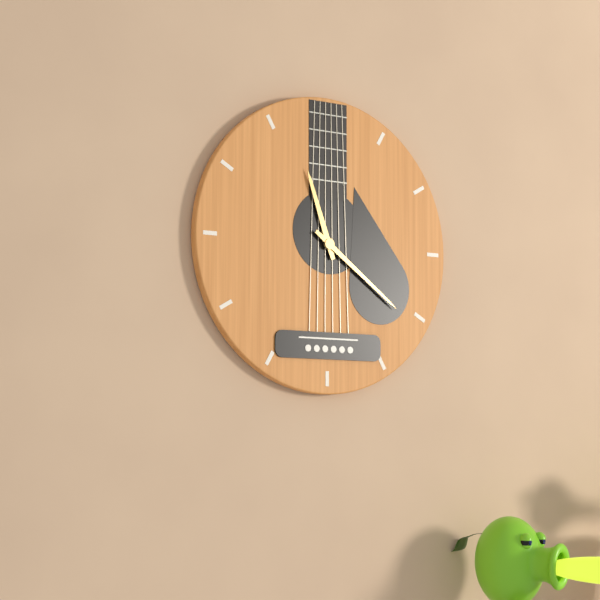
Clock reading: {"hour": 11, "minute": 21}
